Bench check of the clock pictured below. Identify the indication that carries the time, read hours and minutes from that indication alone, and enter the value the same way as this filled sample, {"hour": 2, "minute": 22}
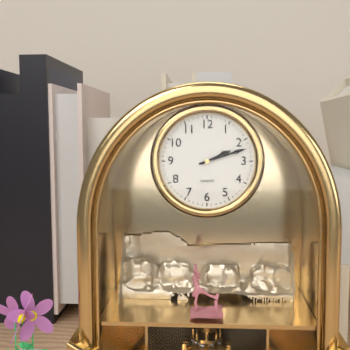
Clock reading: {"hour": 2, "minute": 12}
